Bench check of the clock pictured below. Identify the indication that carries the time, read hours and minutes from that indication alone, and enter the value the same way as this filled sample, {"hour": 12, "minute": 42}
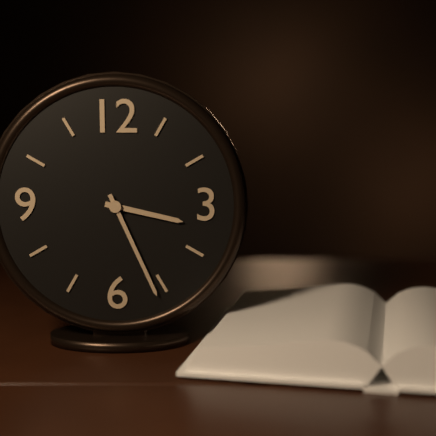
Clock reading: {"hour": 3, "minute": 26}
